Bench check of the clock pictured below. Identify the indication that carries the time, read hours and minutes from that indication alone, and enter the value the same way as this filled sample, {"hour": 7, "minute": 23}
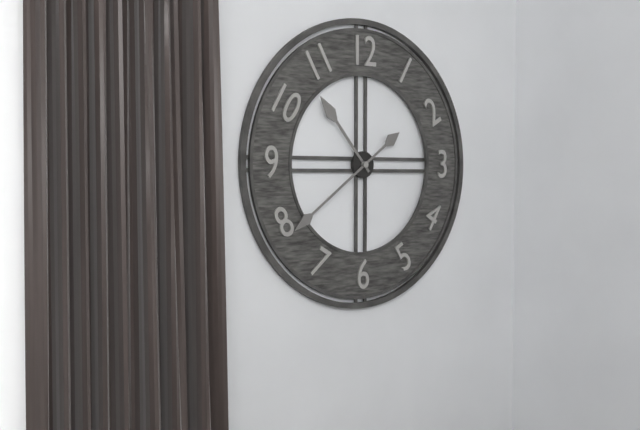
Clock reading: {"hour": 10, "minute": 39}
